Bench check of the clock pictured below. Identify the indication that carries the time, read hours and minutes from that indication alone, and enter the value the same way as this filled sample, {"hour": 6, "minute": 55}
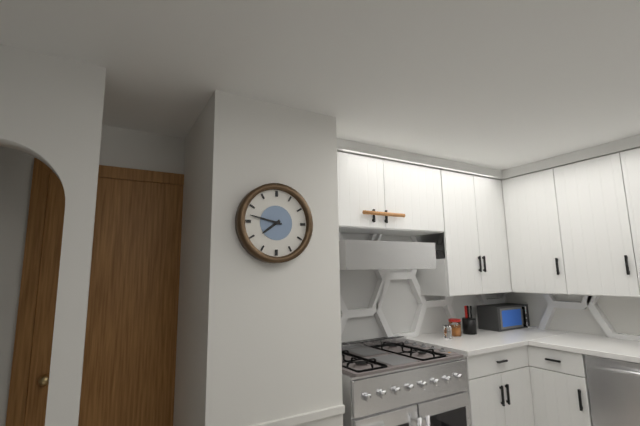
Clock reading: {"hour": 7, "minute": 47}
